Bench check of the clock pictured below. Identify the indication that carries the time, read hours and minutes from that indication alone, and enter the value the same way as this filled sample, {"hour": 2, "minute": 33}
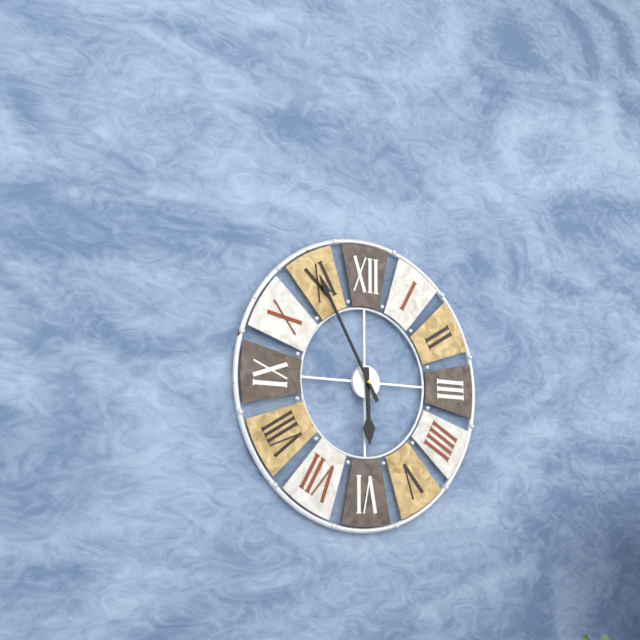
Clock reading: {"hour": 5, "minute": 55}
